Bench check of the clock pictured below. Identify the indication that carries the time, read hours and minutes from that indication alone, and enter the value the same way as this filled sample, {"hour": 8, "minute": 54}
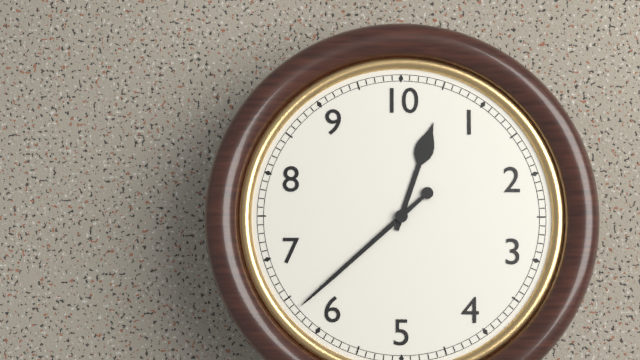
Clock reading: {"hour": 12, "minute": 38}
